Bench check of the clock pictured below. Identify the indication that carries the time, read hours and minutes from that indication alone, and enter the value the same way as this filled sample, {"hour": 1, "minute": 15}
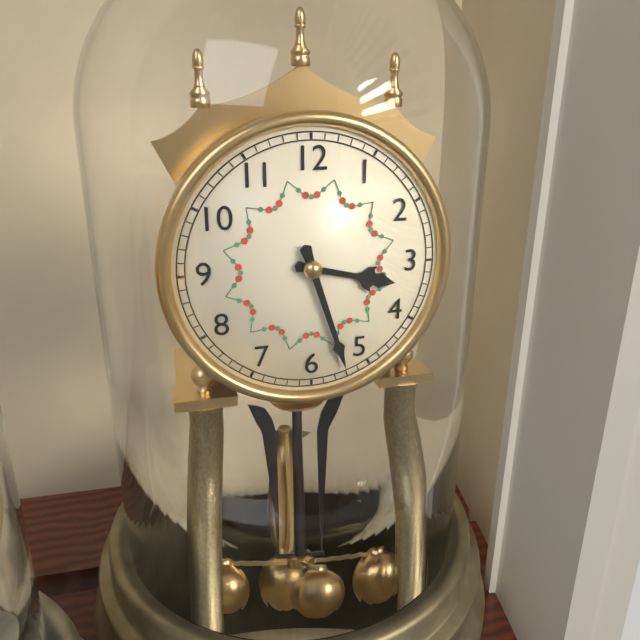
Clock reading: {"hour": 3, "minute": 27}
